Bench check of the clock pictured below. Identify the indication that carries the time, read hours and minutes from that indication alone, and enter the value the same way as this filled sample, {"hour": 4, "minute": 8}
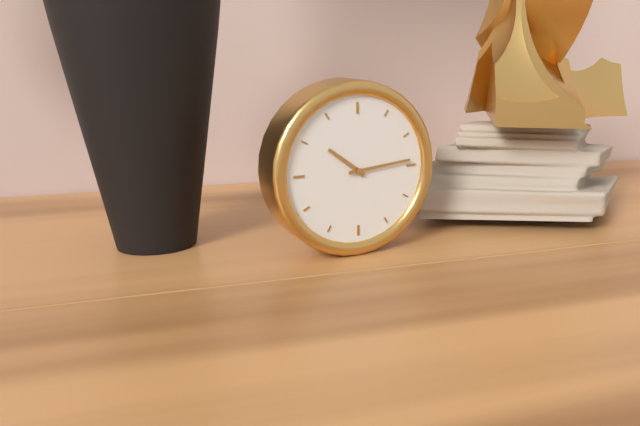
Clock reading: {"hour": 10, "minute": 14}
